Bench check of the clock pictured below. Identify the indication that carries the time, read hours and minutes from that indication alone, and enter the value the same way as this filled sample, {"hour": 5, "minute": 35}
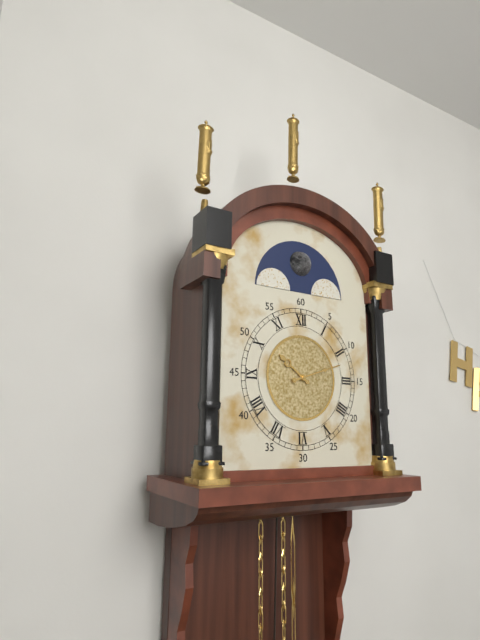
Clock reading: {"hour": 10, "minute": 12}
